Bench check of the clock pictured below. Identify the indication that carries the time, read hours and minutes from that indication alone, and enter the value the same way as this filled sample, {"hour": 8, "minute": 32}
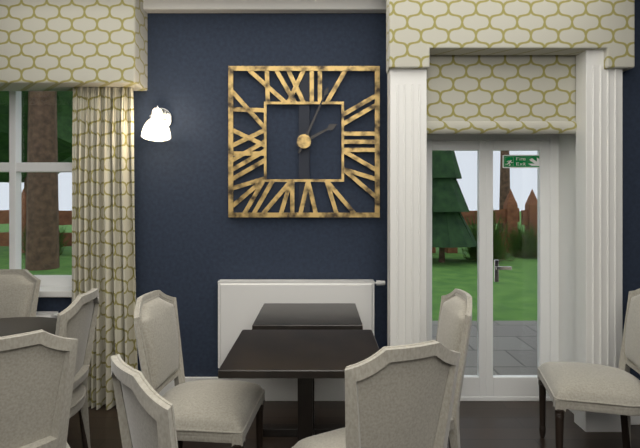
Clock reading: {"hour": 2, "minute": 4}
